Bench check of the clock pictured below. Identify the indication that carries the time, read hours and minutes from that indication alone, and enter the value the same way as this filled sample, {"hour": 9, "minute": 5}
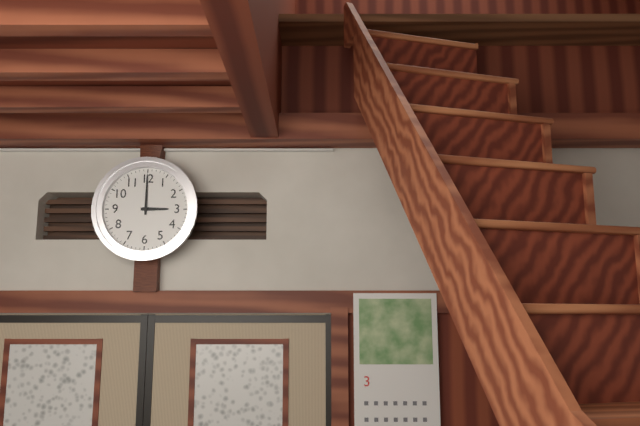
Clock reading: {"hour": 3, "minute": 0}
